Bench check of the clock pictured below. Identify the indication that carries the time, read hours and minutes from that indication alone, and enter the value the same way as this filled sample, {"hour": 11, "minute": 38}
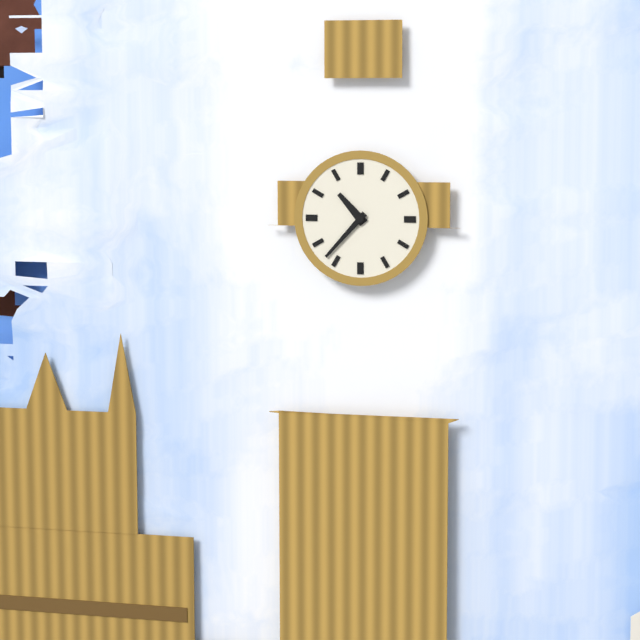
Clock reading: {"hour": 10, "minute": 37}
